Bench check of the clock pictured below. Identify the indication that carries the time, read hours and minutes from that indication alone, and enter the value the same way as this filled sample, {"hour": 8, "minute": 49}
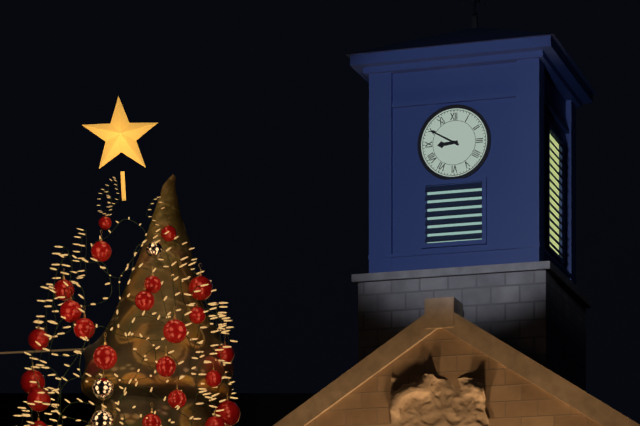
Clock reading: {"hour": 8, "minute": 50}
